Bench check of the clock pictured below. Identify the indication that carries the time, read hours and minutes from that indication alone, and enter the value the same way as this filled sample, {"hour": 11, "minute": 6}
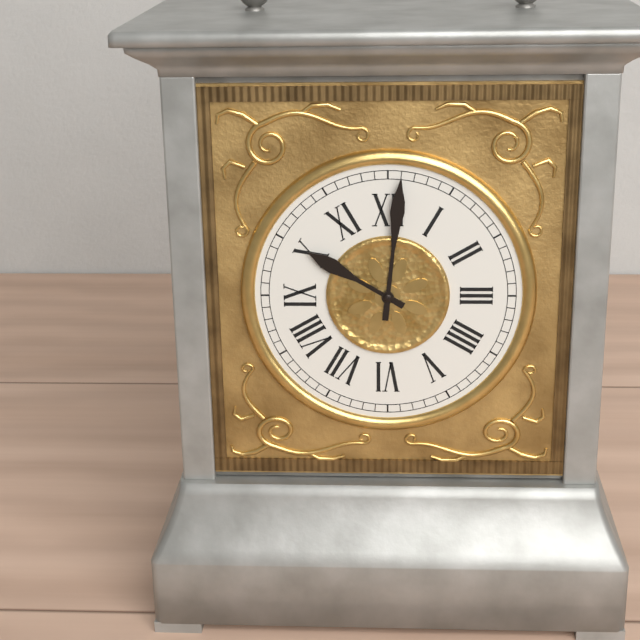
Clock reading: {"hour": 10, "minute": 1}
